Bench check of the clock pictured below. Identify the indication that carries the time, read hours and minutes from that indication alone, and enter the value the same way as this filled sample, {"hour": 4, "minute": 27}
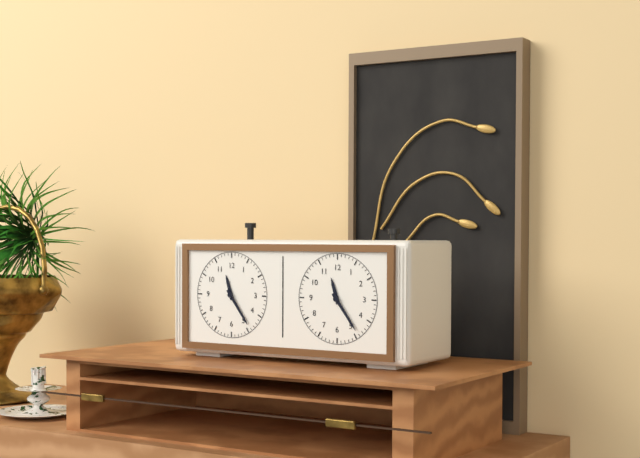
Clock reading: {"hour": 11, "minute": 24}
